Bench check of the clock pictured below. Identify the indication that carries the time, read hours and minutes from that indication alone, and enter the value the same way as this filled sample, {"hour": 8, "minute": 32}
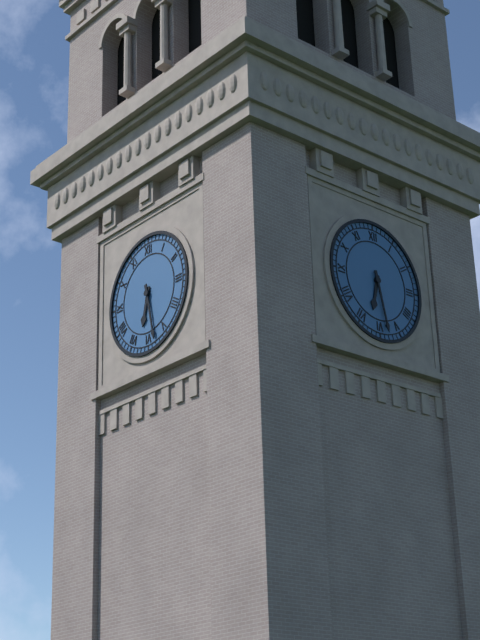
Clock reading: {"hour": 6, "minute": 28}
